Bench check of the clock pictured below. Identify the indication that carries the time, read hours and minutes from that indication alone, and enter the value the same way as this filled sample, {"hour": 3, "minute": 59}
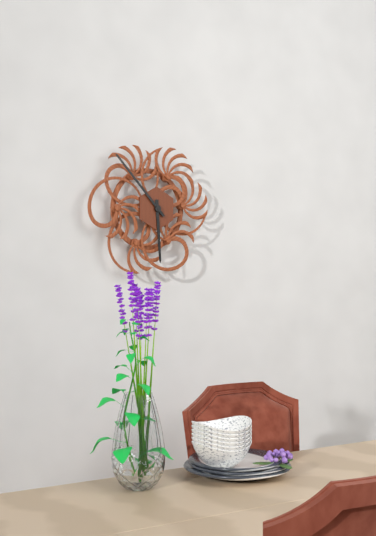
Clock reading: {"hour": 5, "minute": 53}
